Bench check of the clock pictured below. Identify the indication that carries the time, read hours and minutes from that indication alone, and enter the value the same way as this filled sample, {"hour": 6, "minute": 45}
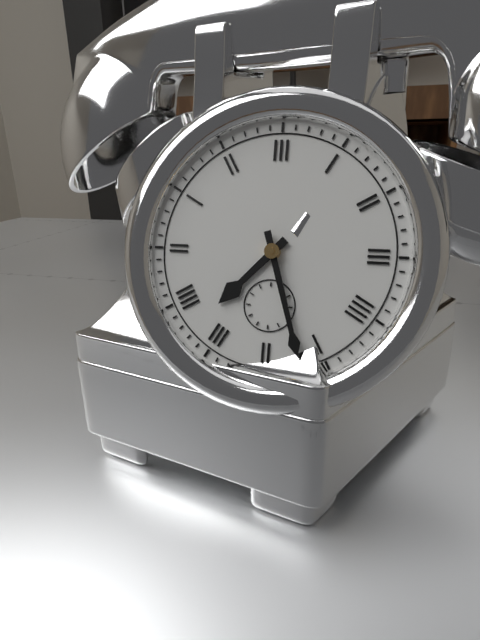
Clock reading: {"hour": 7, "minute": 27}
